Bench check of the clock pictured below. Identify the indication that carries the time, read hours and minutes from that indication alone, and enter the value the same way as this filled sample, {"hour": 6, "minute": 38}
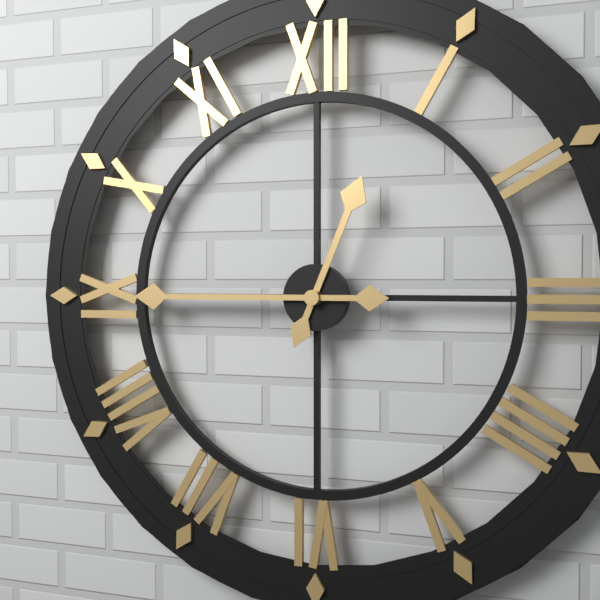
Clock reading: {"hour": 12, "minute": 45}
